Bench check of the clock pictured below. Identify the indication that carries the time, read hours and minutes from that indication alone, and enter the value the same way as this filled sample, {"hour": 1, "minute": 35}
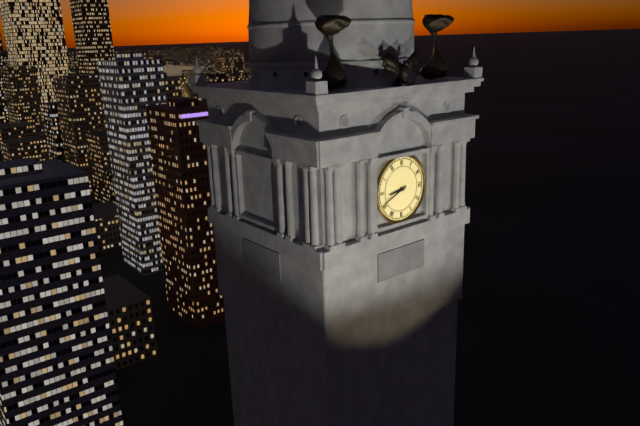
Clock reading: {"hour": 8, "minute": 41}
